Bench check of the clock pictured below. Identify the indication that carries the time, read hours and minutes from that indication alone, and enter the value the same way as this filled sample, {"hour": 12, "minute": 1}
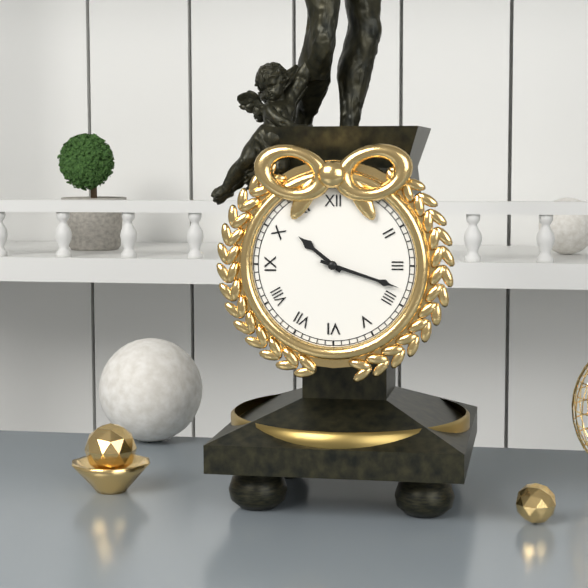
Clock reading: {"hour": 10, "minute": 18}
